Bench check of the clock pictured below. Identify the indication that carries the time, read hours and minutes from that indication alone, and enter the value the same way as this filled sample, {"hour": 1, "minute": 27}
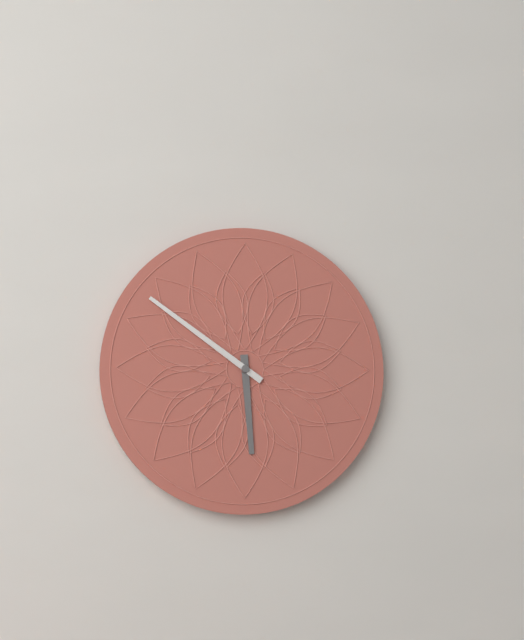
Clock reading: {"hour": 5, "minute": 51}
